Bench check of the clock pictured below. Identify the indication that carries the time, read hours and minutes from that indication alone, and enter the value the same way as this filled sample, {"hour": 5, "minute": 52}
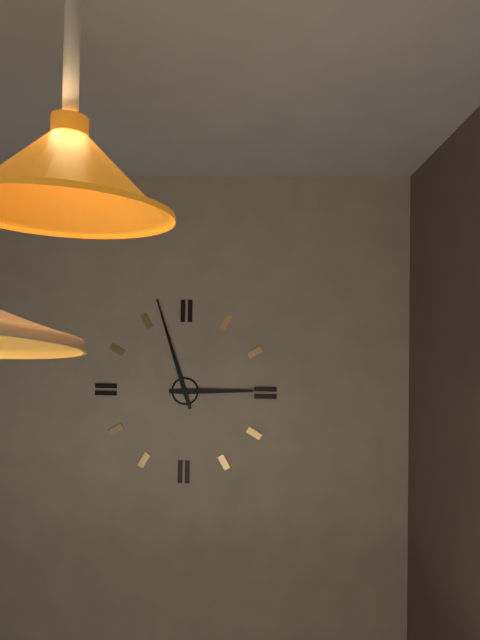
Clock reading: {"hour": 2, "minute": 57}
